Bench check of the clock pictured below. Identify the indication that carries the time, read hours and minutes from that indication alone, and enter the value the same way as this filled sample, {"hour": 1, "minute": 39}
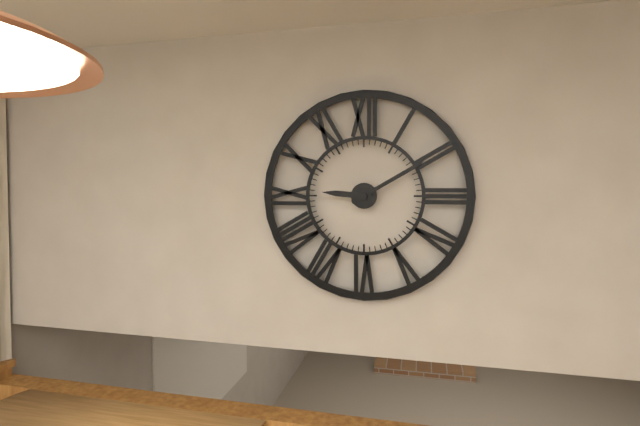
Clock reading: {"hour": 9, "minute": 10}
